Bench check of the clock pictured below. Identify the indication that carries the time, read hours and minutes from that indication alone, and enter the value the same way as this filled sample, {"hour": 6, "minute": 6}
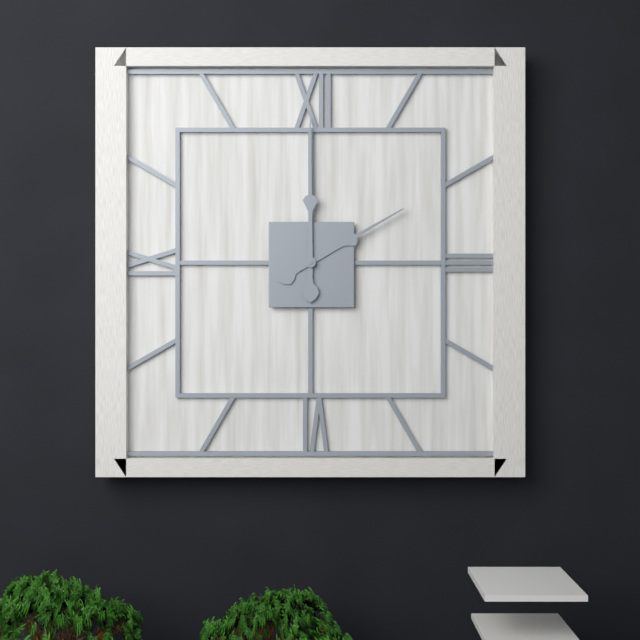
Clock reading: {"hour": 2, "minute": 0}
